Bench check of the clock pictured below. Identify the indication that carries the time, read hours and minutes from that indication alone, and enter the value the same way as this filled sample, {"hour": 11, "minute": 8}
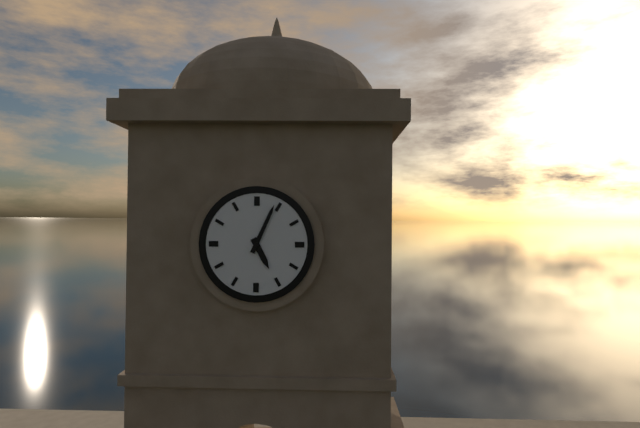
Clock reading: {"hour": 5, "minute": 4}
